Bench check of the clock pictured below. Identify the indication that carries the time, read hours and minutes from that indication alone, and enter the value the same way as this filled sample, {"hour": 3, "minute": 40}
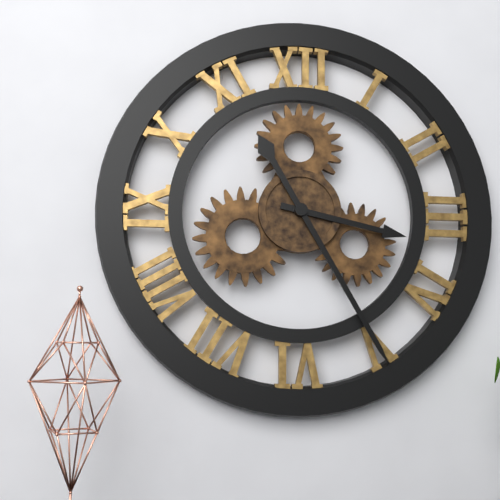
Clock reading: {"hour": 3, "minute": 25}
